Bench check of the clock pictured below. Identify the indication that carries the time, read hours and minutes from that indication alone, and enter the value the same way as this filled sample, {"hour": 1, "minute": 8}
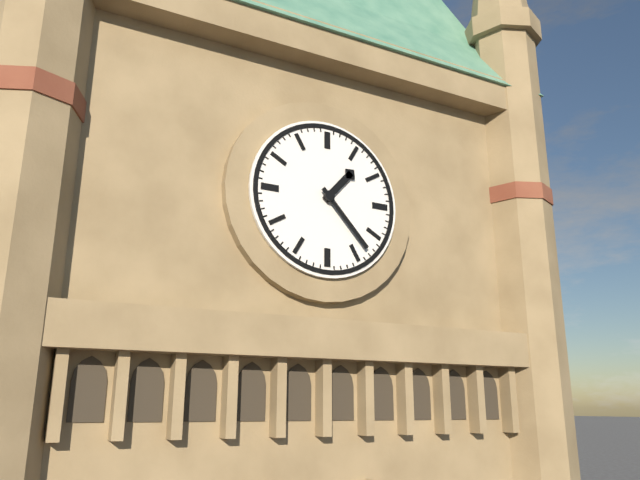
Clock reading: {"hour": 1, "minute": 23}
